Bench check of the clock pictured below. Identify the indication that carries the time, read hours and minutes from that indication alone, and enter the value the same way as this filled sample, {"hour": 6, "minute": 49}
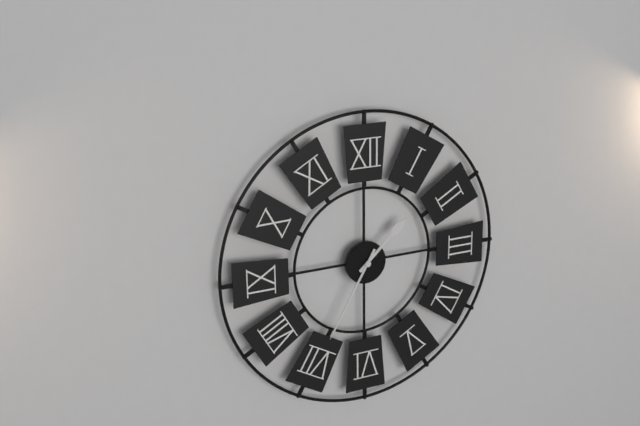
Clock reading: {"hour": 1, "minute": 35}
